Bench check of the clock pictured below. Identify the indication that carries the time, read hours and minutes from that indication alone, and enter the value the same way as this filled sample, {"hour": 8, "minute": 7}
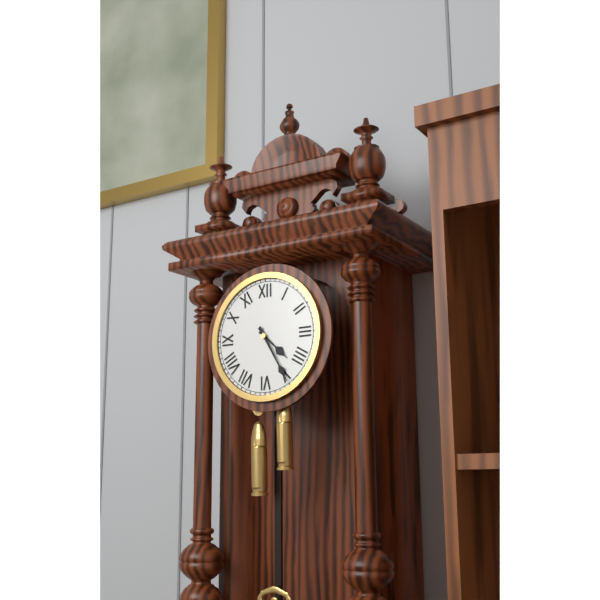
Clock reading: {"hour": 4, "minute": 25}
